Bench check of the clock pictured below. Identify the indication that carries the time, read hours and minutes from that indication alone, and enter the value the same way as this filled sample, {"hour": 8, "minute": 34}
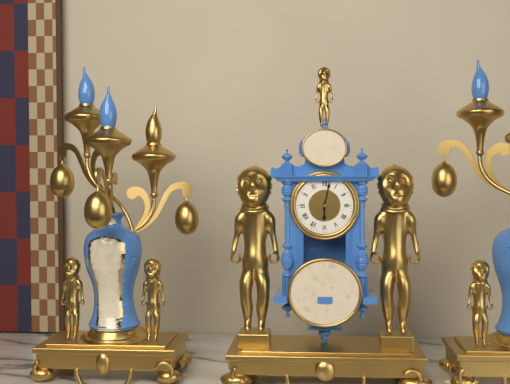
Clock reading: {"hour": 6, "minute": 2}
